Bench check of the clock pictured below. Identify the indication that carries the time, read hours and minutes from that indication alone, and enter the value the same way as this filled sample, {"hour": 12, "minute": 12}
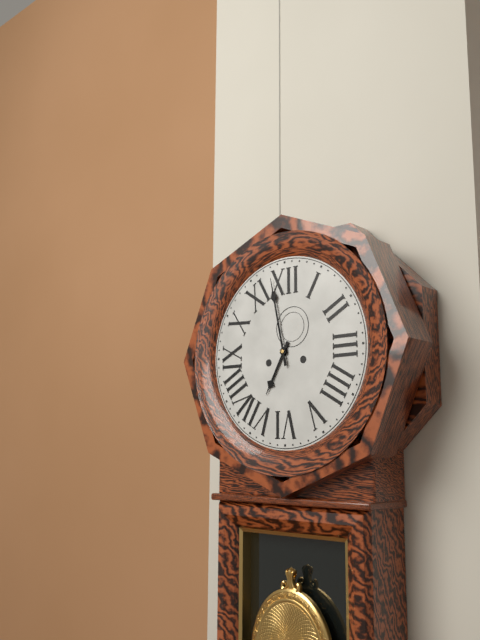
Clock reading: {"hour": 6, "minute": 58}
